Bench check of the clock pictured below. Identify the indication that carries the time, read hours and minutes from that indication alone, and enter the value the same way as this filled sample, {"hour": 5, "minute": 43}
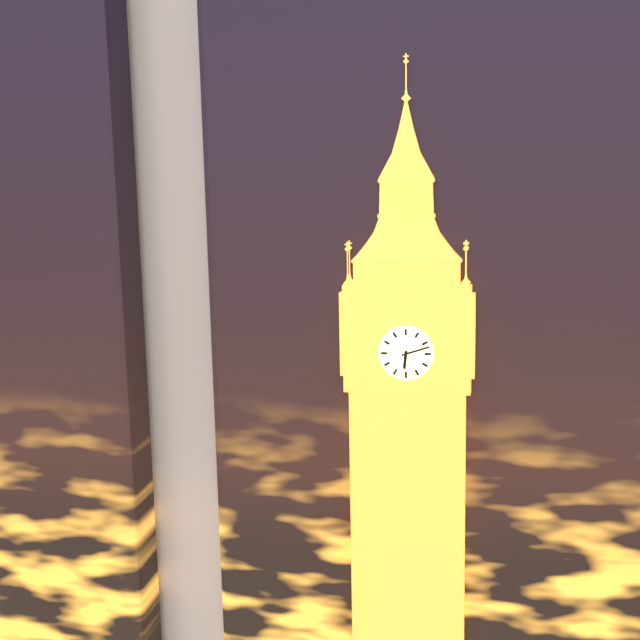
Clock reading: {"hour": 6, "minute": 12}
